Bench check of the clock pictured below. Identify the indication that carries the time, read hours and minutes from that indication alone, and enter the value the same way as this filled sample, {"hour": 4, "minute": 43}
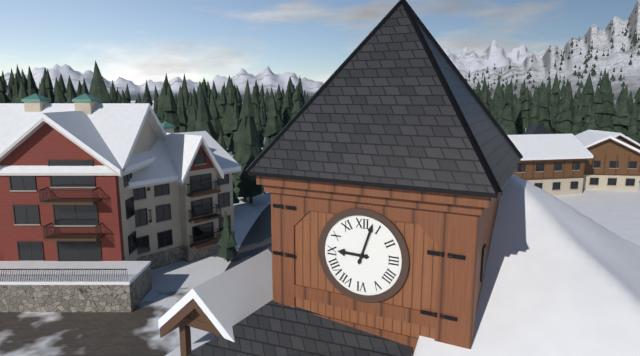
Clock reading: {"hour": 9, "minute": 3}
